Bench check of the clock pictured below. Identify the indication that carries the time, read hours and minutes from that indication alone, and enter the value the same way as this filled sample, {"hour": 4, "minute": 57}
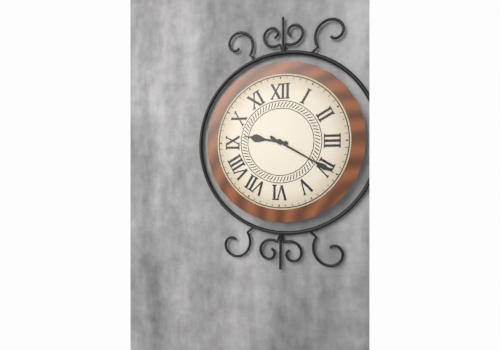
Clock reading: {"hour": 9, "minute": 20}
